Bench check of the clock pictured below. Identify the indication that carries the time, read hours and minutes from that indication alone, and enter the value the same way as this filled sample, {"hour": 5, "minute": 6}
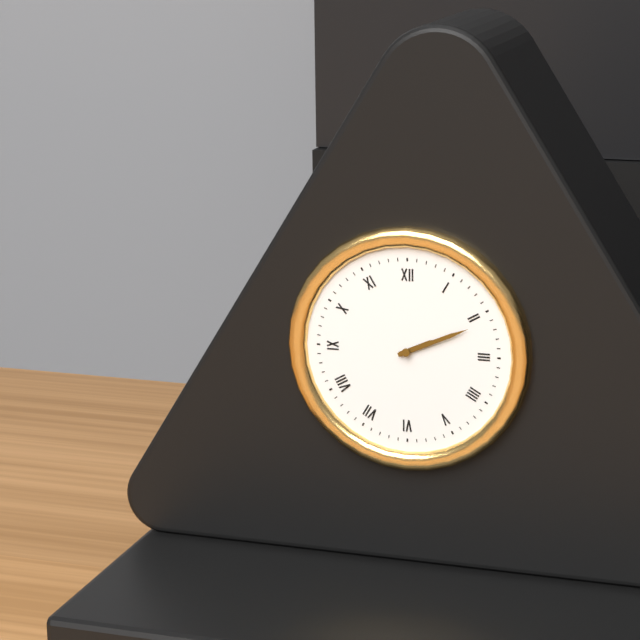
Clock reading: {"hour": 2, "minute": 11}
